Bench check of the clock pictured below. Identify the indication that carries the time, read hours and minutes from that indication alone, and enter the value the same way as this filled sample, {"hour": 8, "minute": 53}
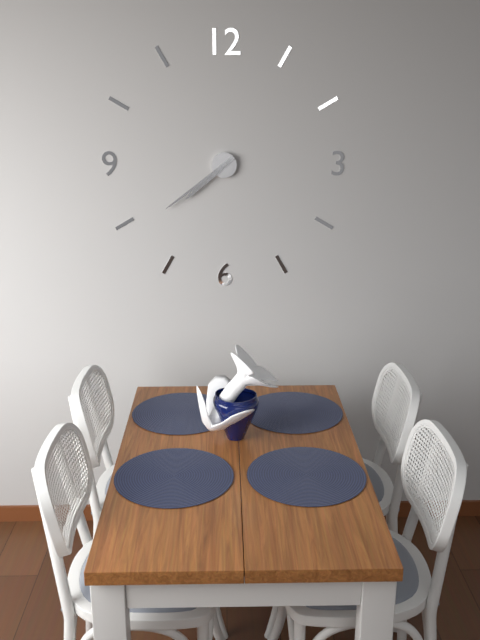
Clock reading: {"hour": 7, "minute": 39}
